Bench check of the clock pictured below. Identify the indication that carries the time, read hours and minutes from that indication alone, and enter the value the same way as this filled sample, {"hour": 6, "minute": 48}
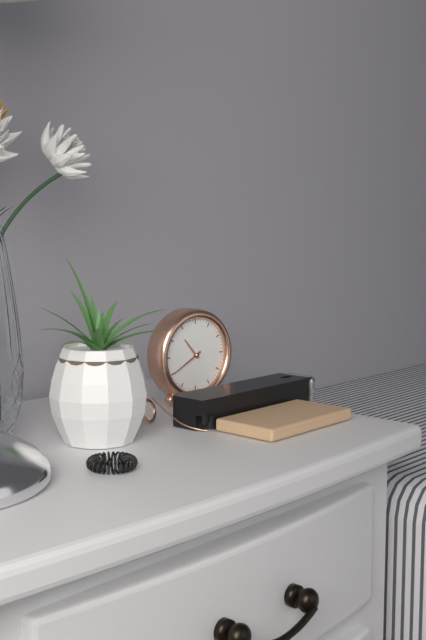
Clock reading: {"hour": 10, "minute": 40}
